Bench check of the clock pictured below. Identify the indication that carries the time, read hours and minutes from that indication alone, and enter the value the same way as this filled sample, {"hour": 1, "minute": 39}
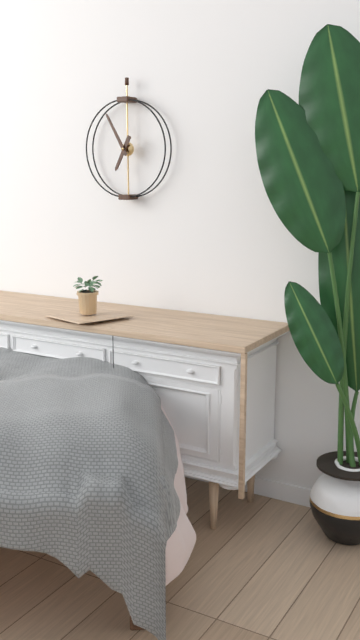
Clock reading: {"hour": 6, "minute": 55}
